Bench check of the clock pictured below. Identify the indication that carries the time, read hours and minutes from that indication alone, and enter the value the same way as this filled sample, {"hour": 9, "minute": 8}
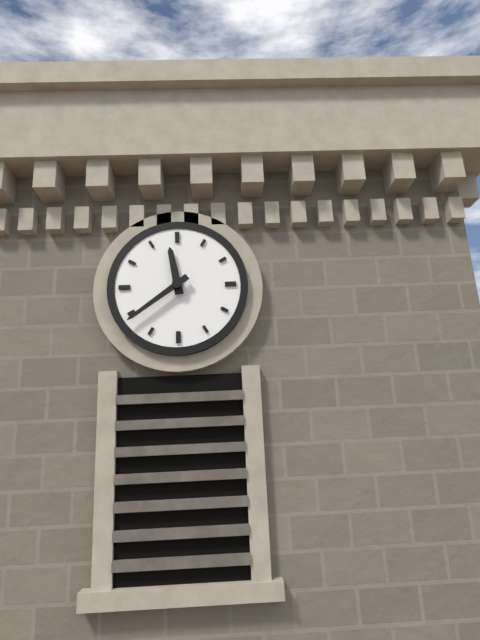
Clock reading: {"hour": 11, "minute": 39}
